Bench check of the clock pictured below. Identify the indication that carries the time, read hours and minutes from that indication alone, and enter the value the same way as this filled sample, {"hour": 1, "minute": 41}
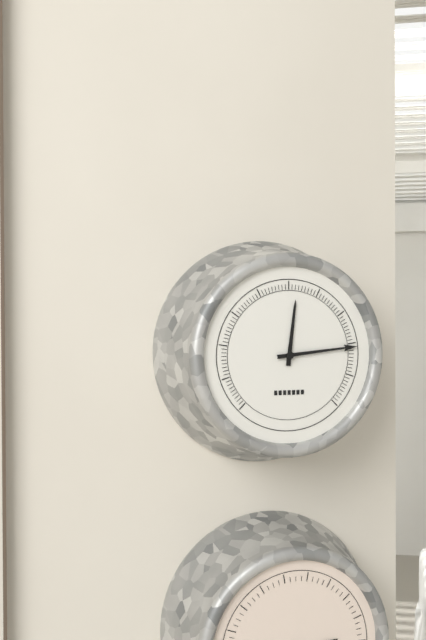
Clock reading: {"hour": 12, "minute": 14}
